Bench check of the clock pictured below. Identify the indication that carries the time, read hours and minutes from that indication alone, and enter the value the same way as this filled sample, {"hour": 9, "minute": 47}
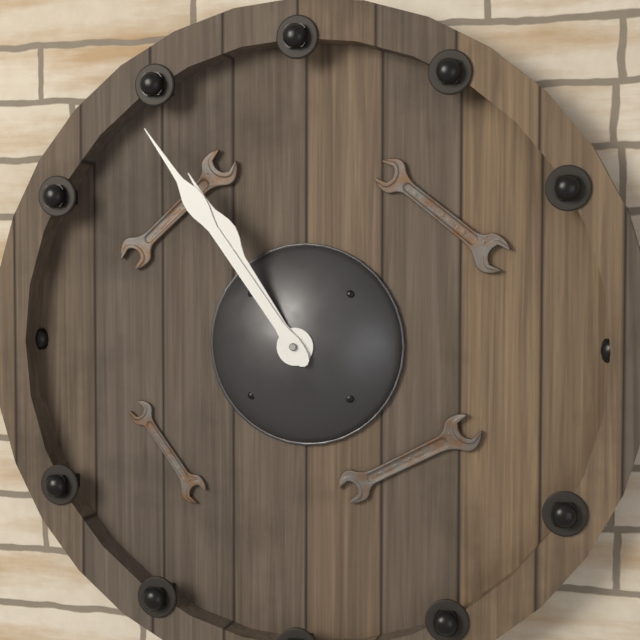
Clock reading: {"hour": 10, "minute": 54}
